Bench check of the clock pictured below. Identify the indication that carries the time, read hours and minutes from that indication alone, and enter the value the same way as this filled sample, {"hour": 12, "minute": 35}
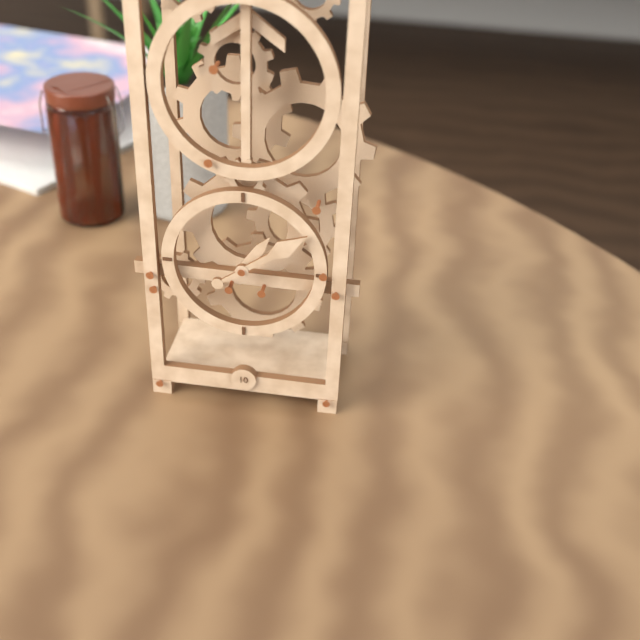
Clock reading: {"hour": 1, "minute": 9}
